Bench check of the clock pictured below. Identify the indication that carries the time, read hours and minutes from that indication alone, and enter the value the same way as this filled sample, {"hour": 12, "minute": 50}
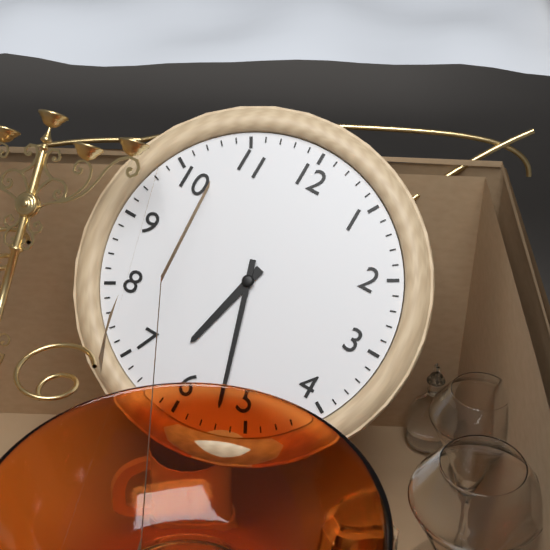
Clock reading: {"hour": 6, "minute": 27}
